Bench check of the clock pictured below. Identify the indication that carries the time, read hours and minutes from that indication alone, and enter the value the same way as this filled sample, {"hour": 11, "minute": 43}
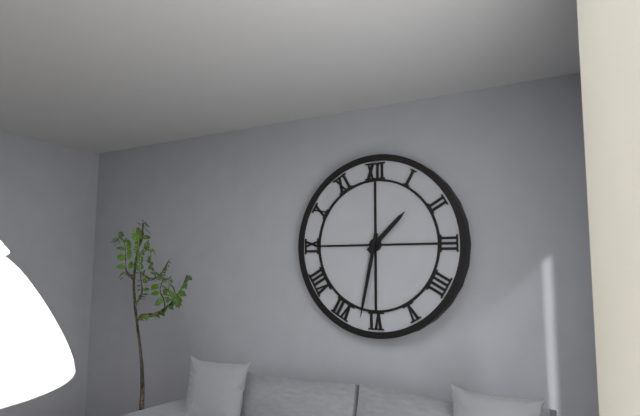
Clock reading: {"hour": 1, "minute": 32}
